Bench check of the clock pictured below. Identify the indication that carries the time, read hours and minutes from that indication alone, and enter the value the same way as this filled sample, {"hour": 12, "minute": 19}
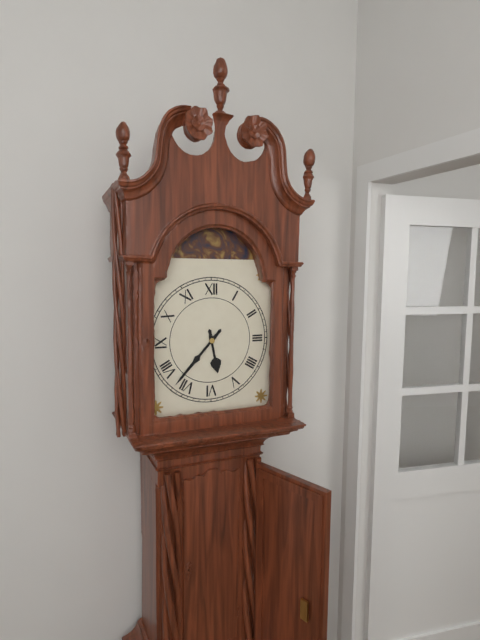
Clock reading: {"hour": 5, "minute": 37}
